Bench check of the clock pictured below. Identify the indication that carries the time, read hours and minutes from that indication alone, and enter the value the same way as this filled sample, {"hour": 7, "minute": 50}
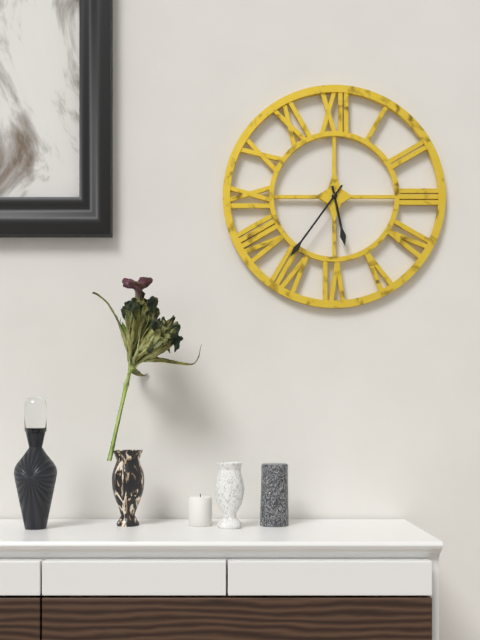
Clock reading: {"hour": 5, "minute": 36}
